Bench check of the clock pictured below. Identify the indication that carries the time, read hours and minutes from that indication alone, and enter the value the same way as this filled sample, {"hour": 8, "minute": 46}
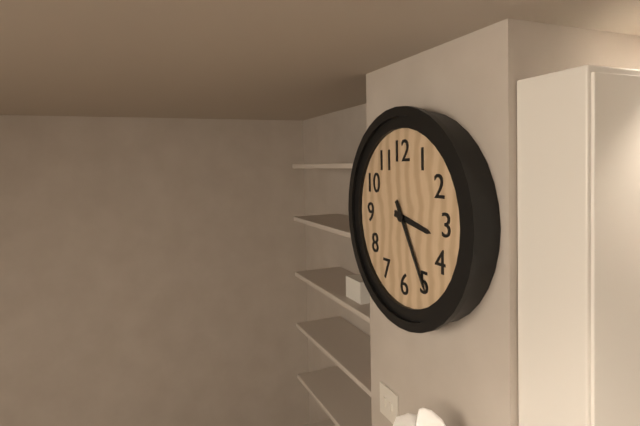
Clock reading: {"hour": 3, "minute": 25}
